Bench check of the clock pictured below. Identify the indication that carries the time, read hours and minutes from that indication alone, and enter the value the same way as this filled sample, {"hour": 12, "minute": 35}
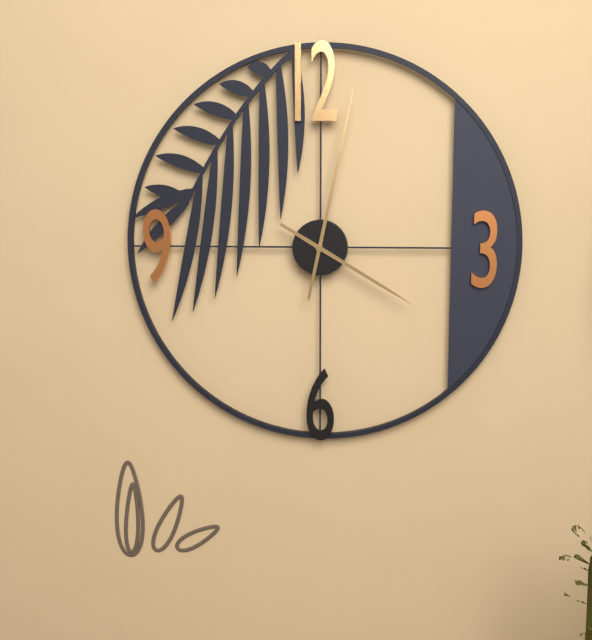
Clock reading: {"hour": 4, "minute": 2}
